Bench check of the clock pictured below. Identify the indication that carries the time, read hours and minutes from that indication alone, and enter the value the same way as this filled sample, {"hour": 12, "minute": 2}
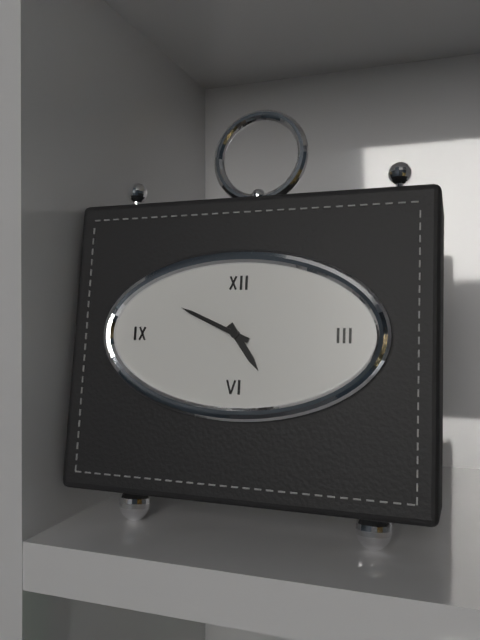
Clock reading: {"hour": 4, "minute": 49}
